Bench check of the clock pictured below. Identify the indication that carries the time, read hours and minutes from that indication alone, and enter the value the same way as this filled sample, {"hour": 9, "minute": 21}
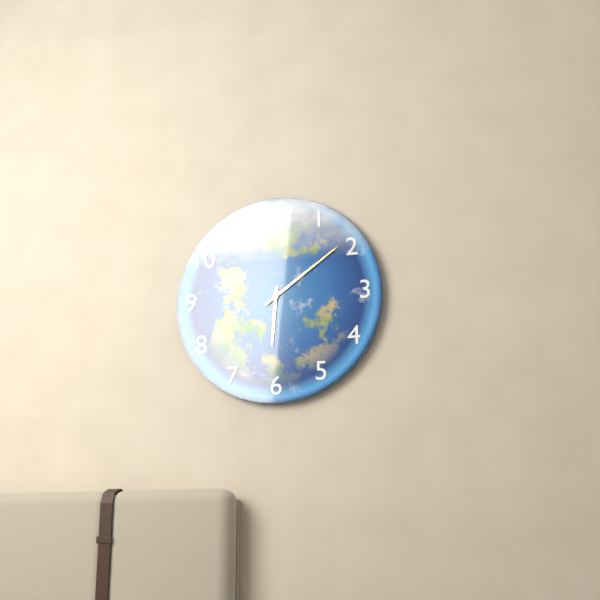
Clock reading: {"hour": 6, "minute": 9}
